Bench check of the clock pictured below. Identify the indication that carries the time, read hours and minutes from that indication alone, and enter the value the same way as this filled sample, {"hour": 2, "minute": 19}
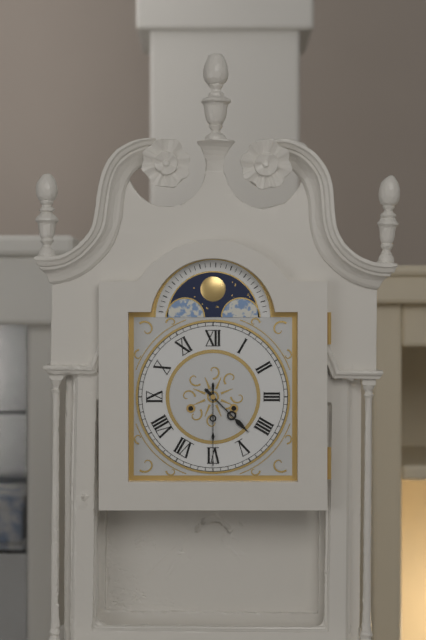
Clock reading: {"hour": 4, "minute": 30}
